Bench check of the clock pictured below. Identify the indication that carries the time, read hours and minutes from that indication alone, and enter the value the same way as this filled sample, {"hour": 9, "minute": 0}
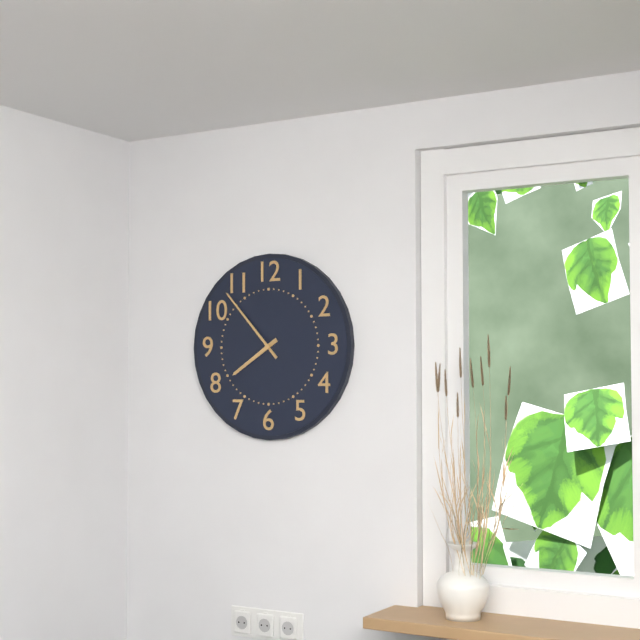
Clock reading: {"hour": 7, "minute": 53}
